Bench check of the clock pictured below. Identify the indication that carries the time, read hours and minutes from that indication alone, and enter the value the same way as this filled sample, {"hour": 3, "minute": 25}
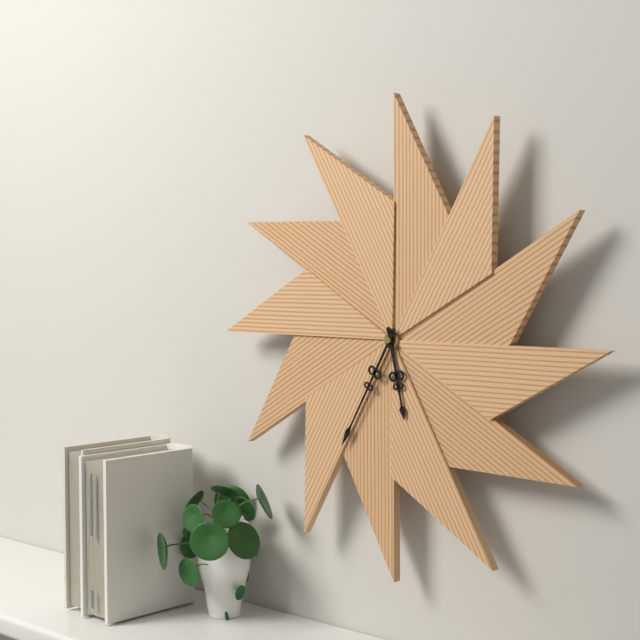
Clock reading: {"hour": 5, "minute": 35}
